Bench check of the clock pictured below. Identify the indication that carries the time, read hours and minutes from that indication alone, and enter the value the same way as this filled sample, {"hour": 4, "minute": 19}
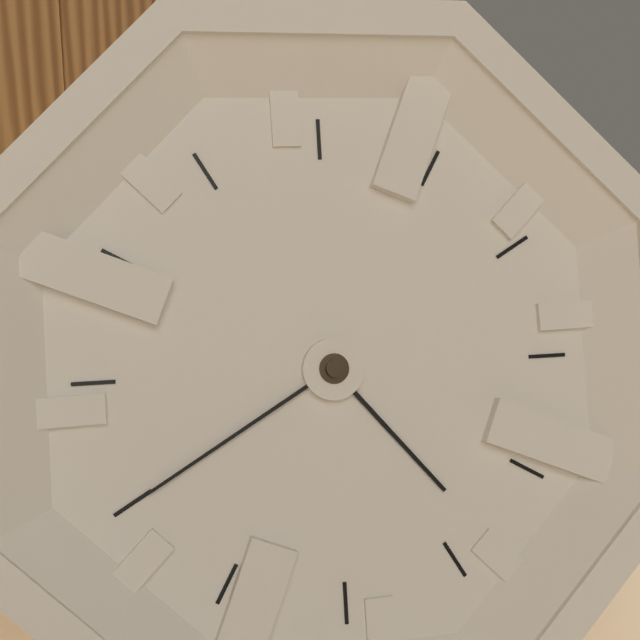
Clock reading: {"hour": 4, "minute": 40}
